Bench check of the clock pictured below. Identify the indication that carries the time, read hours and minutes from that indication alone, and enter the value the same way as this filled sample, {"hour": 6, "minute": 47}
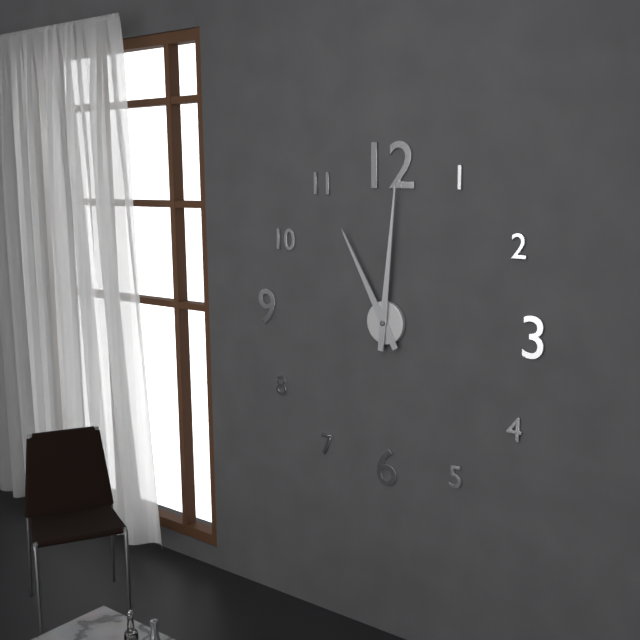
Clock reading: {"hour": 11, "minute": 1}
